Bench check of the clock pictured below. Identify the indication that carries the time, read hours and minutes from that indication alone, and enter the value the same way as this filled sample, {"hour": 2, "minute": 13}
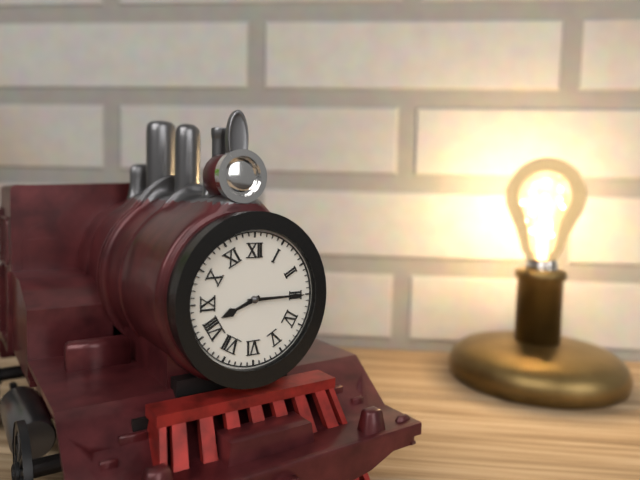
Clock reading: {"hour": 8, "minute": 15}
